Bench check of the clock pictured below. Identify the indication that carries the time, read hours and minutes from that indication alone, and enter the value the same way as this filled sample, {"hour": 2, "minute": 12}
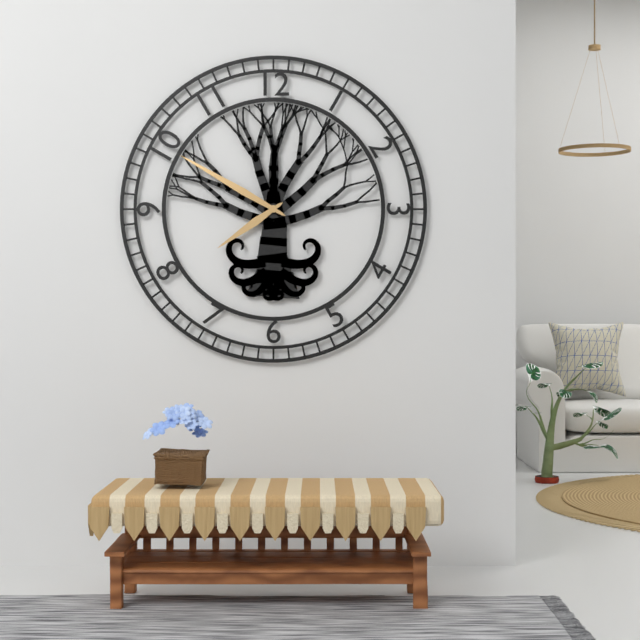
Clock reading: {"hour": 7, "minute": 50}
